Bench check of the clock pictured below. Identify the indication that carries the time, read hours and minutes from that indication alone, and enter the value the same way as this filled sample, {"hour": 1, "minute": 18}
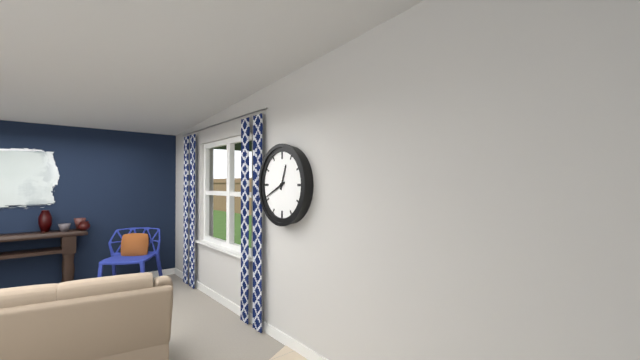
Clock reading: {"hour": 12, "minute": 41}
